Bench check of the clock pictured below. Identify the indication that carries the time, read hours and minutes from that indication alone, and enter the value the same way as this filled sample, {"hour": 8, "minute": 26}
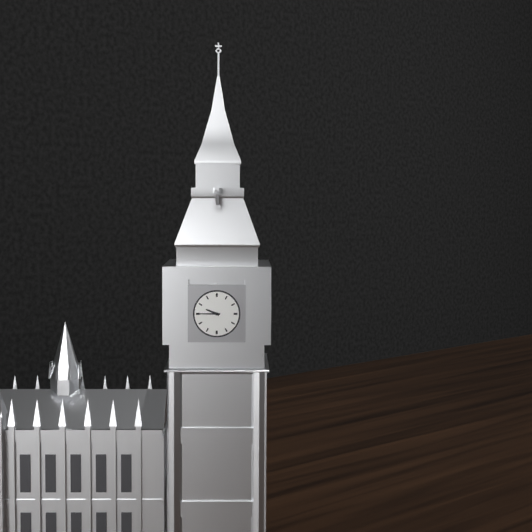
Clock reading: {"hour": 9, "minute": 45}
